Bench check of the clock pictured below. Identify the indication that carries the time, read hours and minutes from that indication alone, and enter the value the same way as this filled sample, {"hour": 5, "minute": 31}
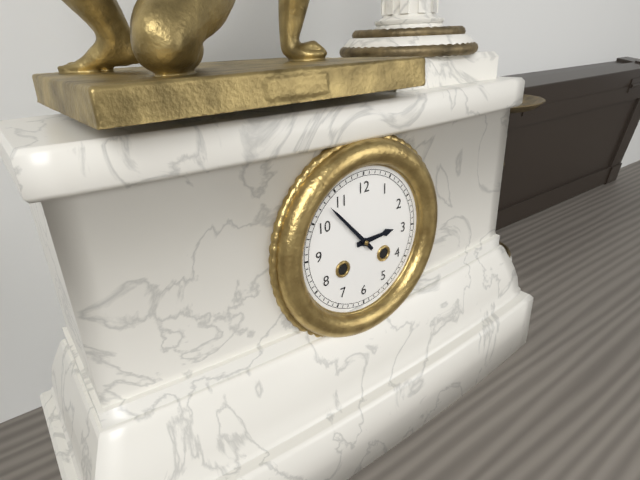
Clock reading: {"hour": 2, "minute": 53}
